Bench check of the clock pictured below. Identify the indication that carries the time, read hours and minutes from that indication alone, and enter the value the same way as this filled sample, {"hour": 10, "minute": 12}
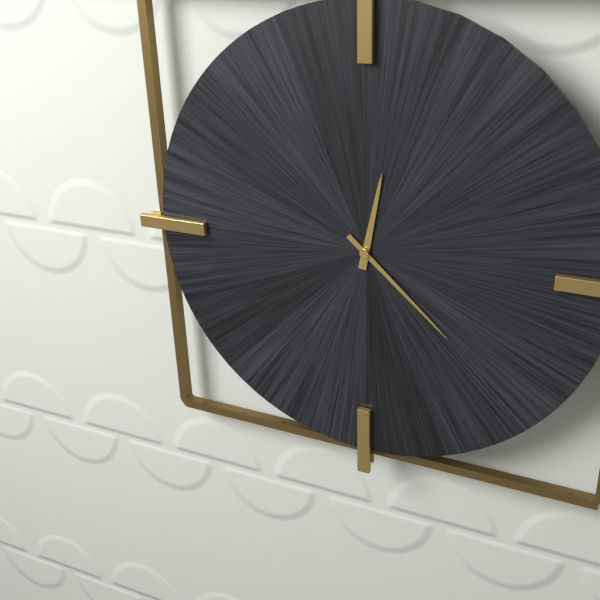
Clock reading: {"hour": 12, "minute": 22}
